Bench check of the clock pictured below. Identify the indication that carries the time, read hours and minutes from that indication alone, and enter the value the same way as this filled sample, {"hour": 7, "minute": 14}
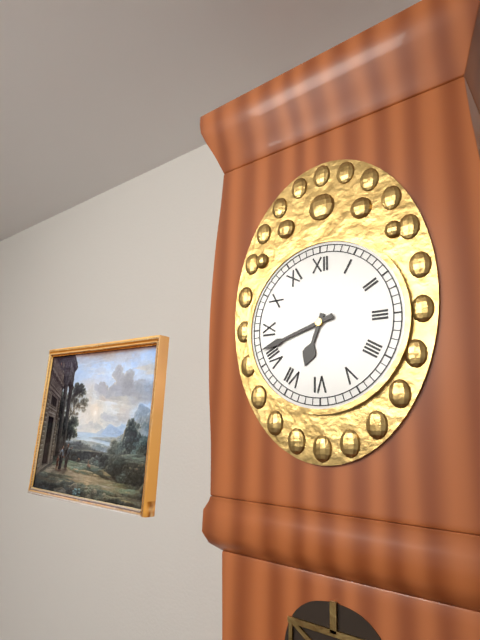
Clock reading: {"hour": 6, "minute": 42}
